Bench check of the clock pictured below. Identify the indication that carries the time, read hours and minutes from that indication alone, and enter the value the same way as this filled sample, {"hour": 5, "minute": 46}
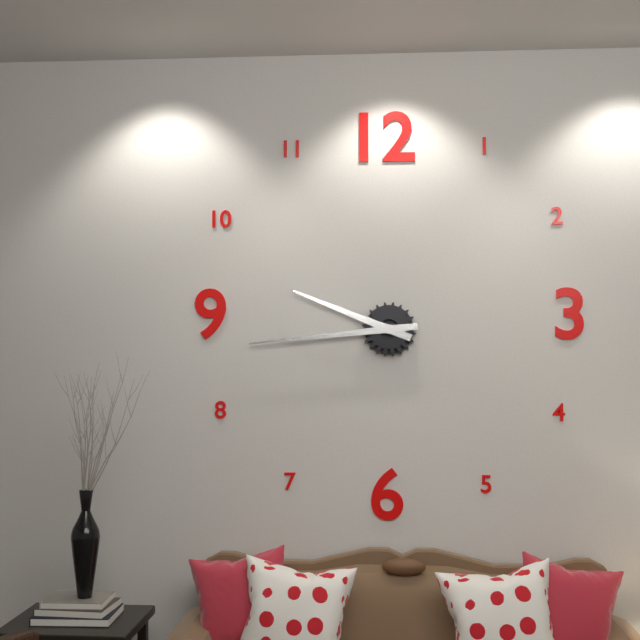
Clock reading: {"hour": 9, "minute": 44}
